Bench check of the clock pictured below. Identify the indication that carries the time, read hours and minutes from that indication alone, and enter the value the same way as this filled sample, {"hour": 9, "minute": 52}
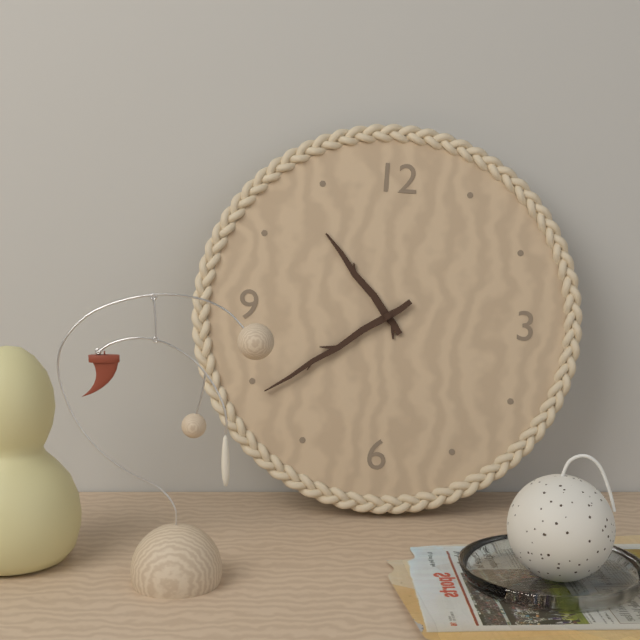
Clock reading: {"hour": 10, "minute": 39}
